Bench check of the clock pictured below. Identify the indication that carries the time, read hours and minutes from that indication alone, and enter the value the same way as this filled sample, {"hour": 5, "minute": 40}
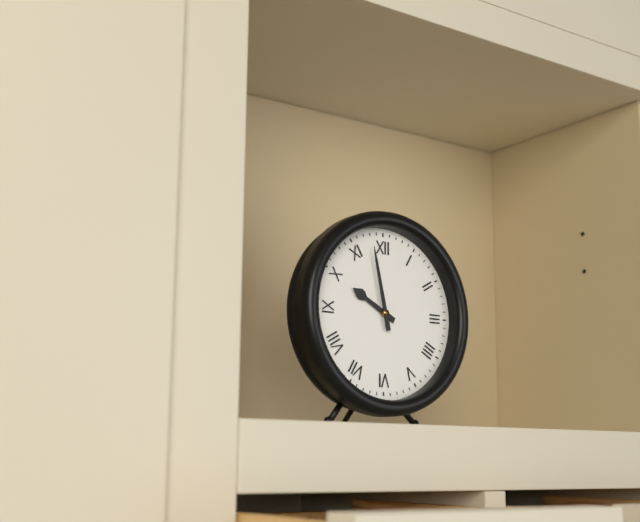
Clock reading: {"hour": 9, "minute": 58}
